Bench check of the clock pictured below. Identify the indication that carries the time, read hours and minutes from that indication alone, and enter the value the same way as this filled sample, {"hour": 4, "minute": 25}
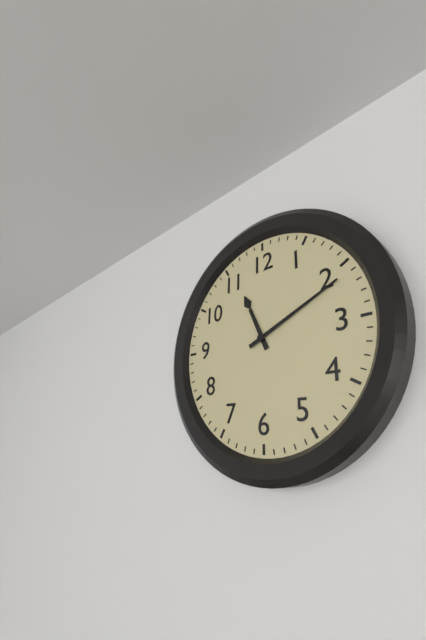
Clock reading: {"hour": 11, "minute": 11}
